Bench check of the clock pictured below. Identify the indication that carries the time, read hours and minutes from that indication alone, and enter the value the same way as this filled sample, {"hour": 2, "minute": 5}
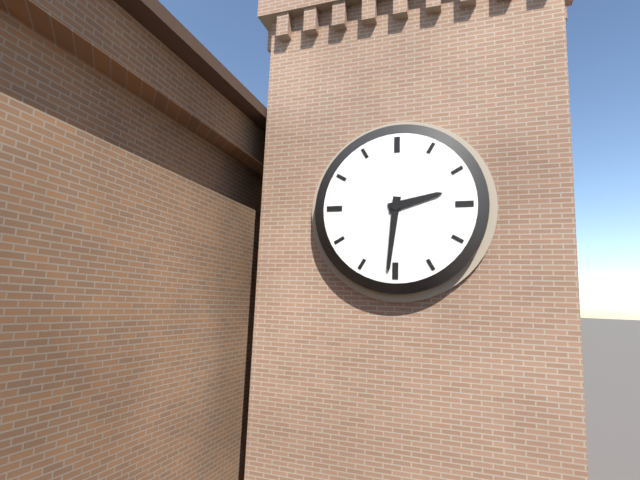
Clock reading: {"hour": 2, "minute": 31}
